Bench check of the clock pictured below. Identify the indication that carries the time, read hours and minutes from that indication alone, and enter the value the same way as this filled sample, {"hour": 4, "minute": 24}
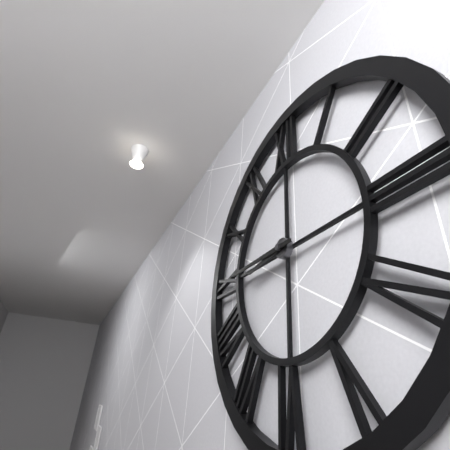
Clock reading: {"hour": 8, "minute": 45}
